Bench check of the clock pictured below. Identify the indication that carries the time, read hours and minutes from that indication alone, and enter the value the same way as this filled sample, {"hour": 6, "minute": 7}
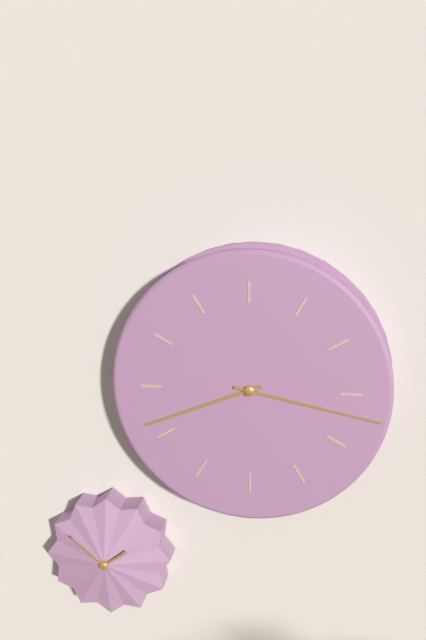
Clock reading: {"hour": 8, "minute": 17}
